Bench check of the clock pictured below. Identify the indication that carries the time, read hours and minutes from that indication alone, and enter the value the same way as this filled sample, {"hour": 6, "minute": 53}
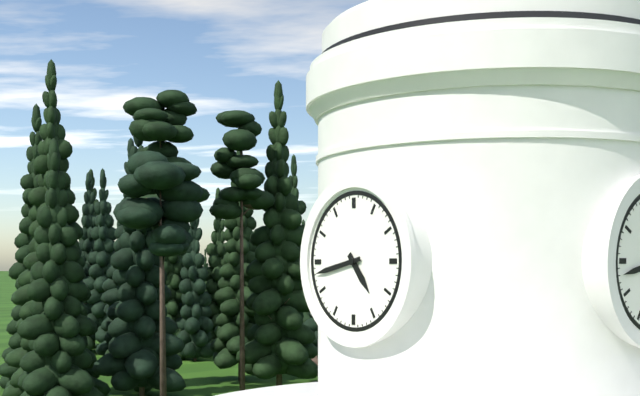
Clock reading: {"hour": 4, "minute": 43}
